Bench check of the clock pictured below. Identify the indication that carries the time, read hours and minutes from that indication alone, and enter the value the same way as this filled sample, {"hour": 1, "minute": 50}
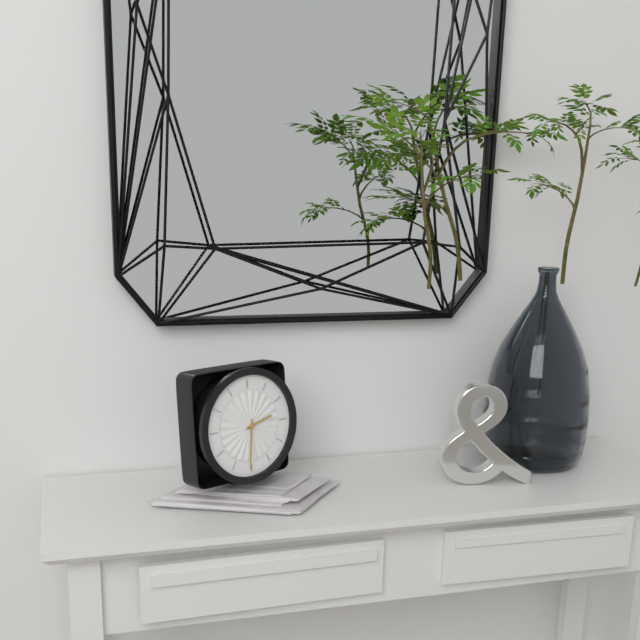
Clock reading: {"hour": 2, "minute": 31}
